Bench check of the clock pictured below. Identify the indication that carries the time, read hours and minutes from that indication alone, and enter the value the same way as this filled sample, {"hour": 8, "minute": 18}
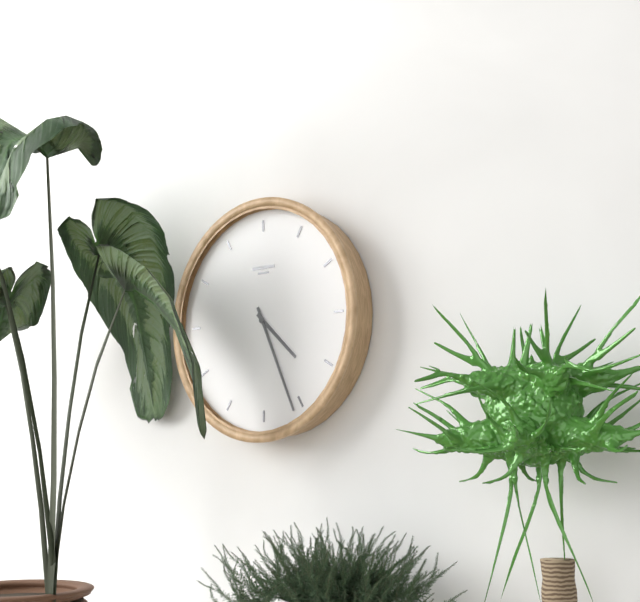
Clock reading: {"hour": 4, "minute": 26}
